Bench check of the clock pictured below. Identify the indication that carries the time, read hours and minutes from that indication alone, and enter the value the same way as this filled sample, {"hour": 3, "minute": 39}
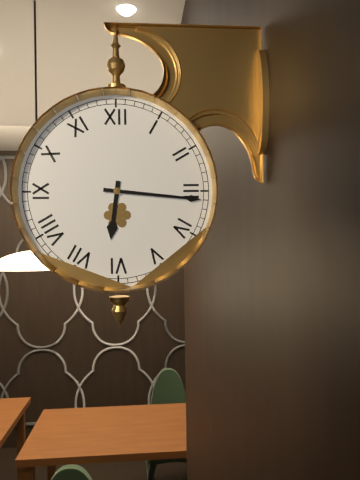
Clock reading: {"hour": 6, "minute": 16}
